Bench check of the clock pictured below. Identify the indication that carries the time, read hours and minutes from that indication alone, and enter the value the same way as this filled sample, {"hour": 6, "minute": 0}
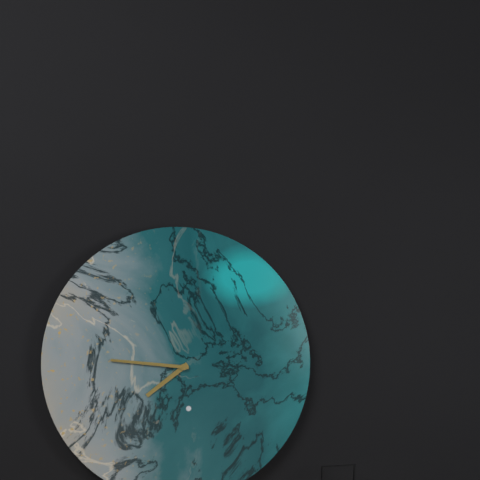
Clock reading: {"hour": 7, "minute": 46}
